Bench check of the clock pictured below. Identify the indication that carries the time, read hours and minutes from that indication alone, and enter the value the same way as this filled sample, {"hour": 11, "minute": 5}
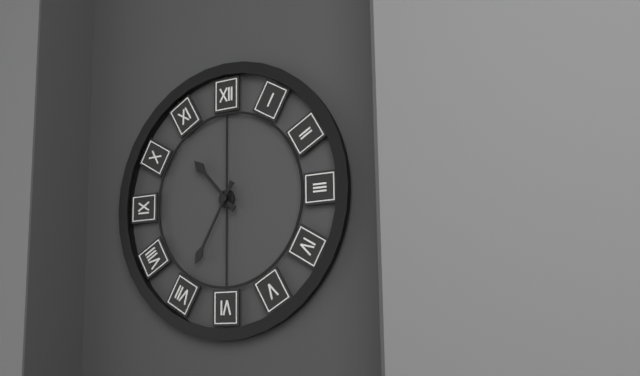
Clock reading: {"hour": 10, "minute": 35}
